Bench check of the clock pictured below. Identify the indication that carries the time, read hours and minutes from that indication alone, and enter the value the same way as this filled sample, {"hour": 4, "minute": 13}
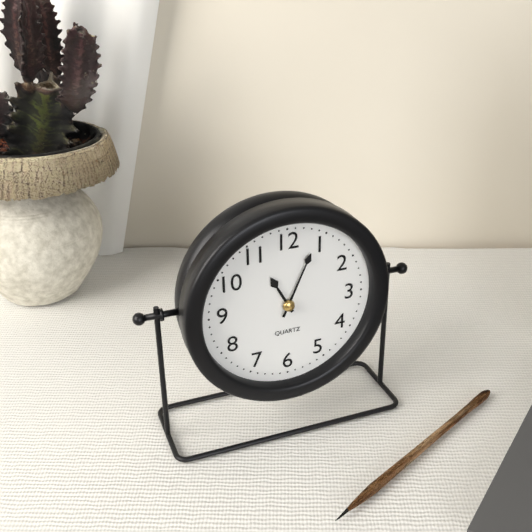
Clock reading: {"hour": 11, "minute": 4}
